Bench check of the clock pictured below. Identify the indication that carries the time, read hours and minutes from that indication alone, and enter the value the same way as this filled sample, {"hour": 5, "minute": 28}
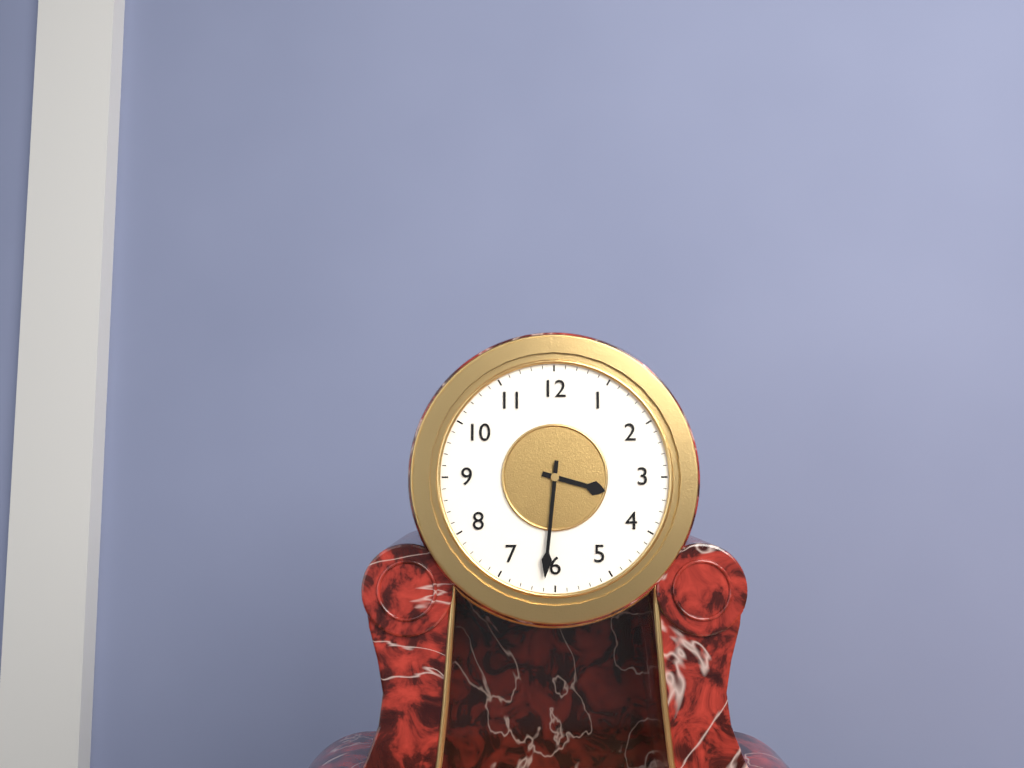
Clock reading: {"hour": 3, "minute": 31}
